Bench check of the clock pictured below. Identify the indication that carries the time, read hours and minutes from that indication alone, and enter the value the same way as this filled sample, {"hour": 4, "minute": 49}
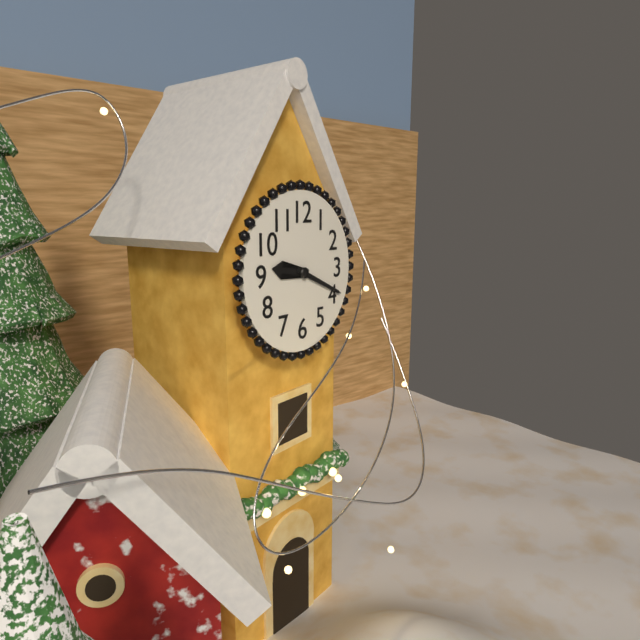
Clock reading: {"hour": 9, "minute": 19}
